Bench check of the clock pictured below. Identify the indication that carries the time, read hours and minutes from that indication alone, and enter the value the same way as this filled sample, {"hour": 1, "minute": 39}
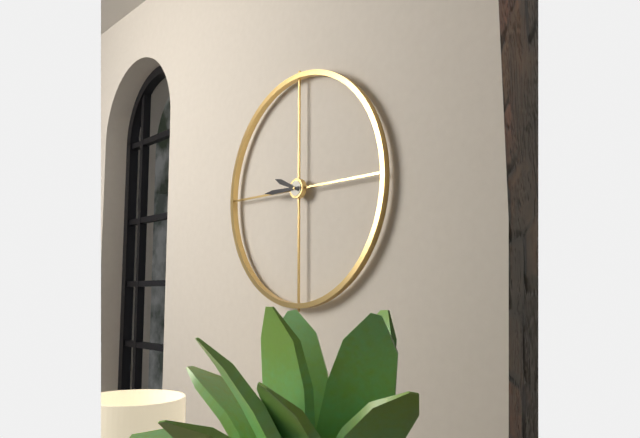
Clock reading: {"hour": 9, "minute": 45}
